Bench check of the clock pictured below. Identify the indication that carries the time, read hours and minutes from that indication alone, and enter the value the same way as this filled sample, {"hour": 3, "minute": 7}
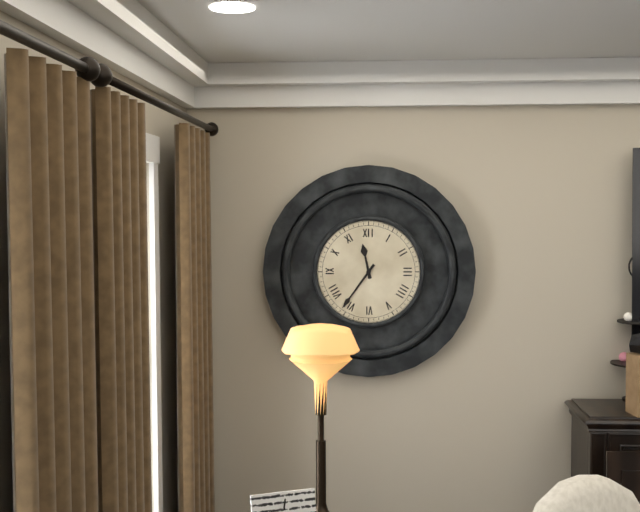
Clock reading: {"hour": 11, "minute": 36}
